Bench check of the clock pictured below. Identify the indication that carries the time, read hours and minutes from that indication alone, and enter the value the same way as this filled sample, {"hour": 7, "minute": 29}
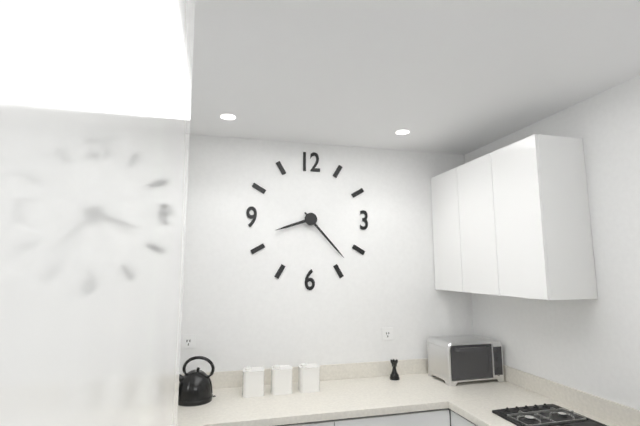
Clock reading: {"hour": 8, "minute": 23}
